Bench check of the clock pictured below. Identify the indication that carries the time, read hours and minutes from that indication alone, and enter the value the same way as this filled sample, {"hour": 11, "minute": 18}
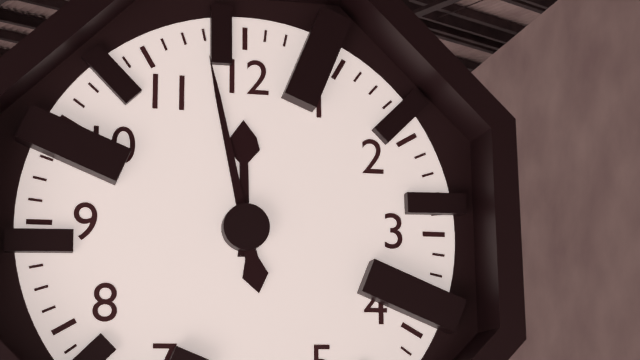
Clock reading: {"hour": 11, "minute": 58}
